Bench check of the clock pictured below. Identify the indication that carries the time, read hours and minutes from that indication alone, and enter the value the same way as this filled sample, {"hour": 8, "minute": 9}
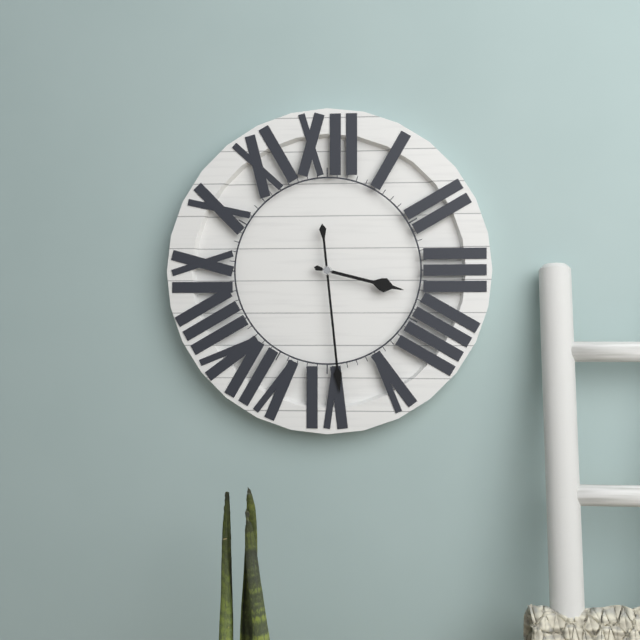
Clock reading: {"hour": 3, "minute": 29}
